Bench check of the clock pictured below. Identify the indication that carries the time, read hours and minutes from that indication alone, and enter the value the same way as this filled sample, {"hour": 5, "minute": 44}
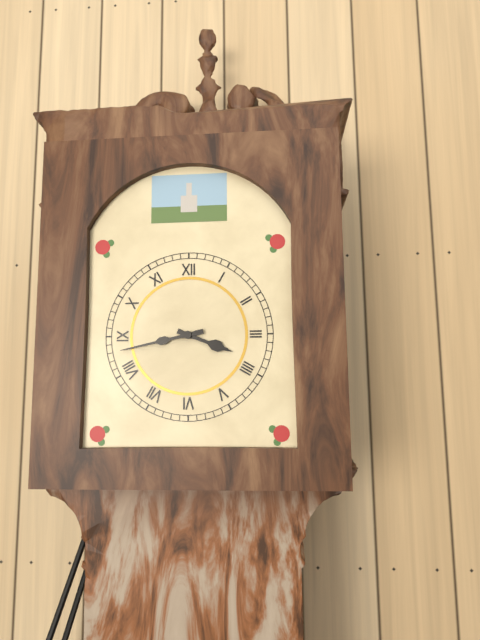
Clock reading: {"hour": 3, "minute": 43}
